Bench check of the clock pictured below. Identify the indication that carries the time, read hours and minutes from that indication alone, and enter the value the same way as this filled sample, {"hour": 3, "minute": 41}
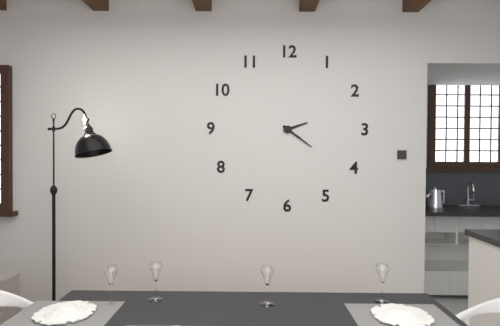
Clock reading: {"hour": 2, "minute": 21}
